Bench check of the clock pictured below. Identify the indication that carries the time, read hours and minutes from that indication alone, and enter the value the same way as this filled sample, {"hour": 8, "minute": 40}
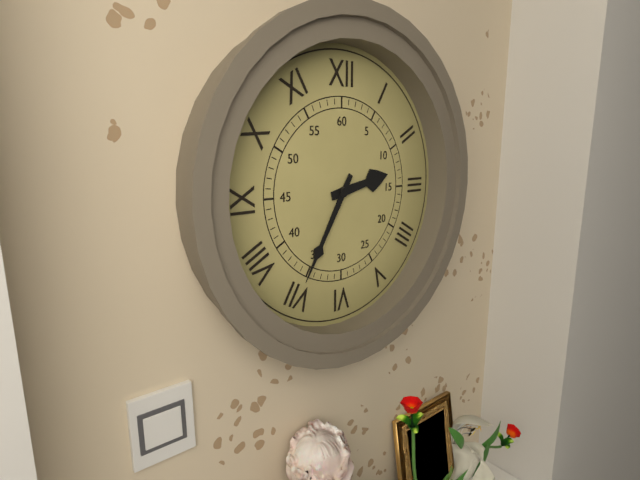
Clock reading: {"hour": 2, "minute": 35}
